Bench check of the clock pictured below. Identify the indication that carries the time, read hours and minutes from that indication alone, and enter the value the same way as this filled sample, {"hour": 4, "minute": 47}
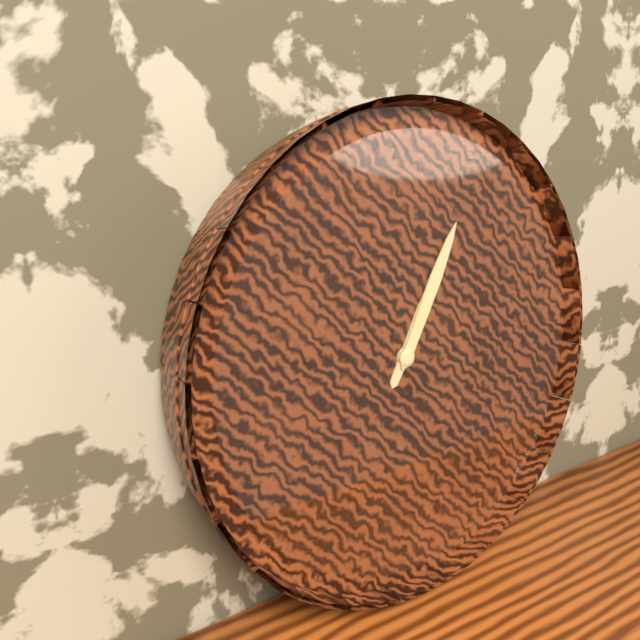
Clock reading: {"hour": 1, "minute": 5}
